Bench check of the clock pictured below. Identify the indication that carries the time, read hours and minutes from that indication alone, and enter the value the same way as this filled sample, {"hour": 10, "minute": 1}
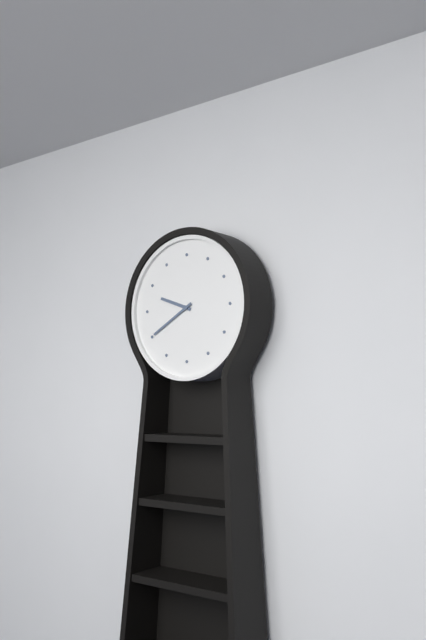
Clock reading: {"hour": 9, "minute": 40}
